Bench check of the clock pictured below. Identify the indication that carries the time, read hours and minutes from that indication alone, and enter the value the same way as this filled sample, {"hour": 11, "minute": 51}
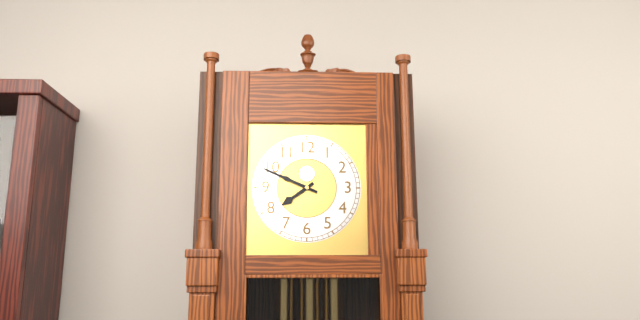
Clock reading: {"hour": 7, "minute": 49}
